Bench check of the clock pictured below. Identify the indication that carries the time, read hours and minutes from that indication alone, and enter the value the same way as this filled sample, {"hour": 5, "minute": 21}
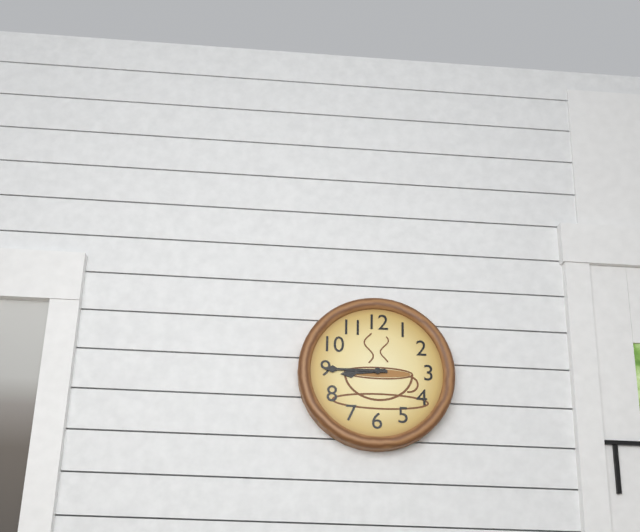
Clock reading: {"hour": 8, "minute": 45}
